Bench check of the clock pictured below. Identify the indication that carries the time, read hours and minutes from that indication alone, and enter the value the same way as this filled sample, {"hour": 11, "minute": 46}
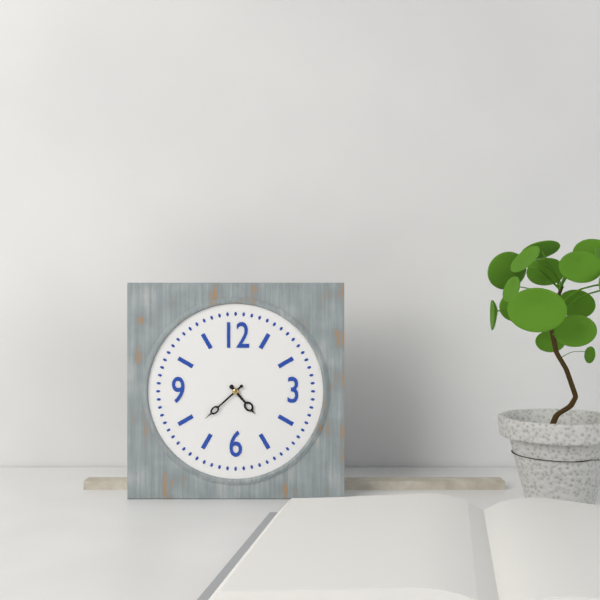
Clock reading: {"hour": 4, "minute": 38}
